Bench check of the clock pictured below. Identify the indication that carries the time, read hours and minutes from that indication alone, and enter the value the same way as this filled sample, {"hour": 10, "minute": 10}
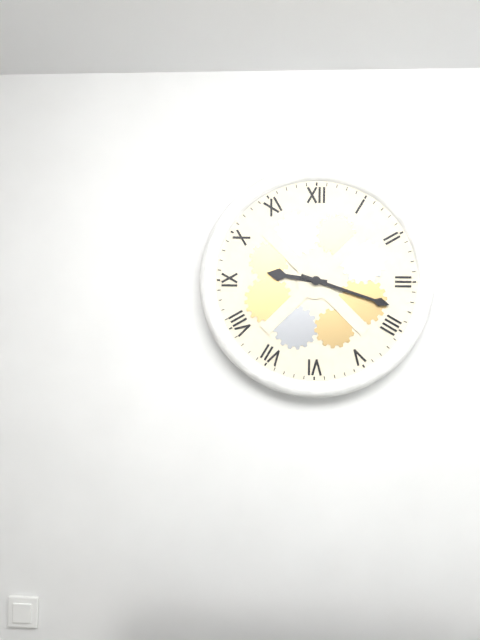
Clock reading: {"hour": 9, "minute": 18}
